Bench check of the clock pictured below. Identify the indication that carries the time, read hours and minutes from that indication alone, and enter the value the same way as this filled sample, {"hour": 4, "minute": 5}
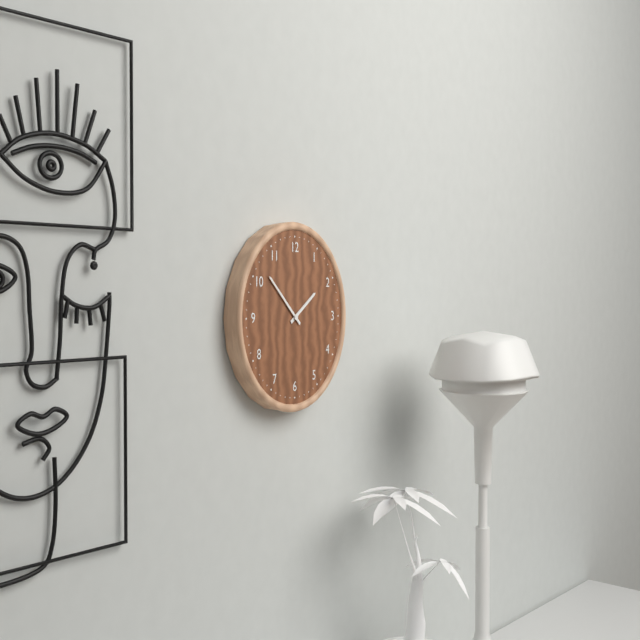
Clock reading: {"hour": 1, "minute": 52}
